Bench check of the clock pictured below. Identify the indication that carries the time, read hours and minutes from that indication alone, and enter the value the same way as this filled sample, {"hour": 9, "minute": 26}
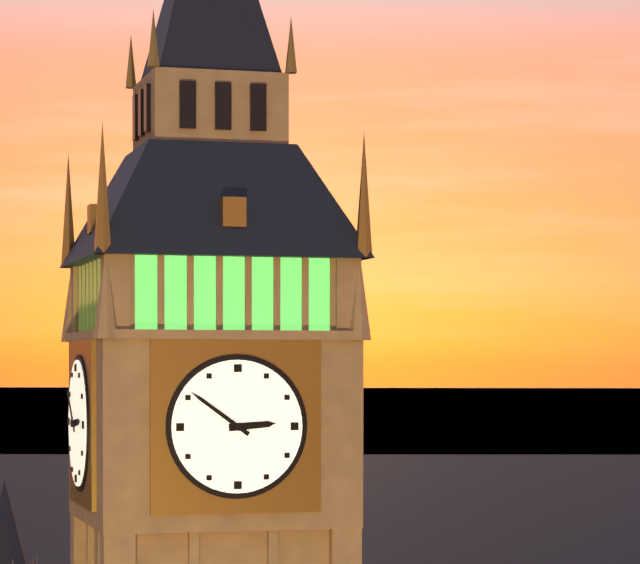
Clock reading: {"hour": 2, "minute": 51}
